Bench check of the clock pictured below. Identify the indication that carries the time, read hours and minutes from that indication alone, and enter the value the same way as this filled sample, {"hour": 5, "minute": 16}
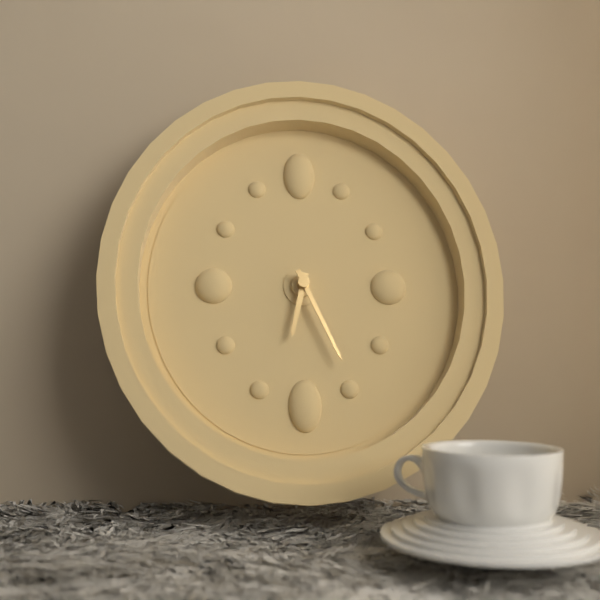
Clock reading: {"hour": 6, "minute": 26}
